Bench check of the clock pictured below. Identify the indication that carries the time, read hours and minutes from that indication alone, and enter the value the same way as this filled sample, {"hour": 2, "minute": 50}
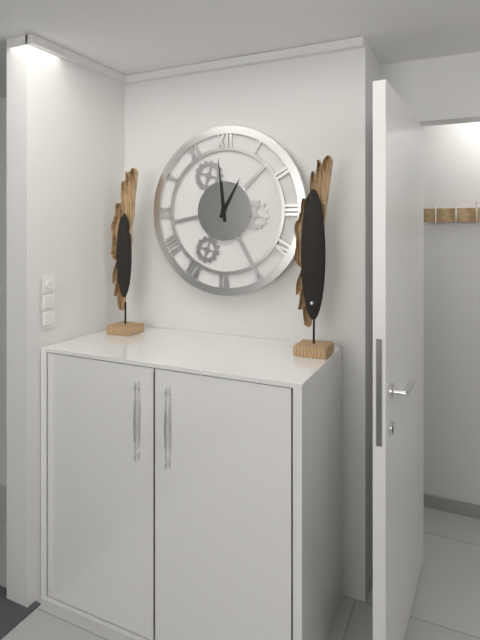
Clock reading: {"hour": 12, "minute": 59}
